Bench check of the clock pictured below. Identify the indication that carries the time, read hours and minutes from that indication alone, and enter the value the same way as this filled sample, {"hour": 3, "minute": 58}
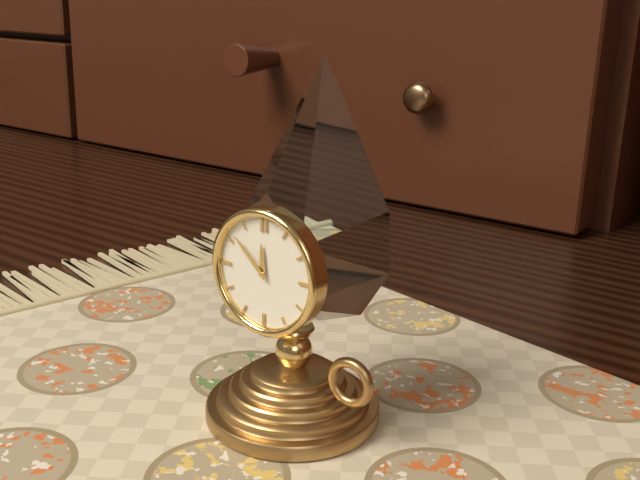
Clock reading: {"hour": 11, "minute": 52}
